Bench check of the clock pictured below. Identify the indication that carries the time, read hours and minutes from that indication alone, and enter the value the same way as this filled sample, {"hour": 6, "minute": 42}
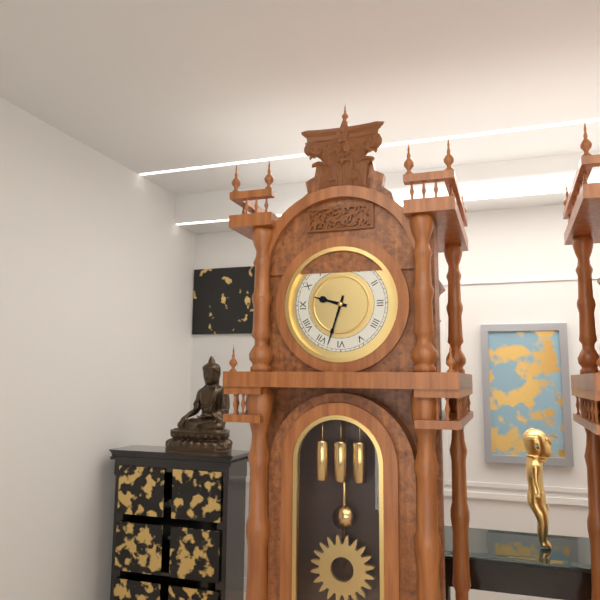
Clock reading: {"hour": 9, "minute": 33}
